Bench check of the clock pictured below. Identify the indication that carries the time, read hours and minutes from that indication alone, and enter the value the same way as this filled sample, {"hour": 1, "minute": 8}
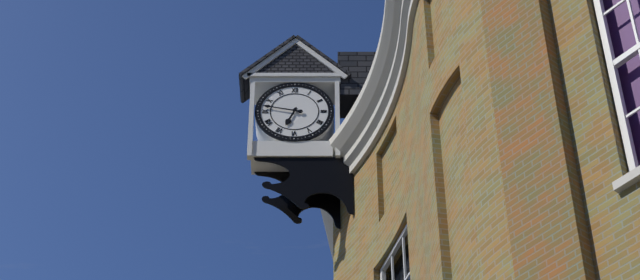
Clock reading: {"hour": 6, "minute": 47}
